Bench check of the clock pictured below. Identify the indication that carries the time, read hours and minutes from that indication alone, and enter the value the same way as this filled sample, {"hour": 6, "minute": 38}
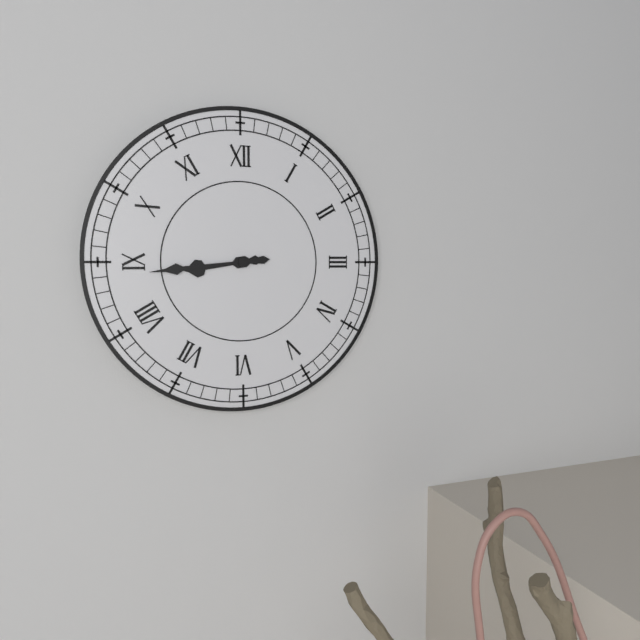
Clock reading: {"hour": 8, "minute": 44}
